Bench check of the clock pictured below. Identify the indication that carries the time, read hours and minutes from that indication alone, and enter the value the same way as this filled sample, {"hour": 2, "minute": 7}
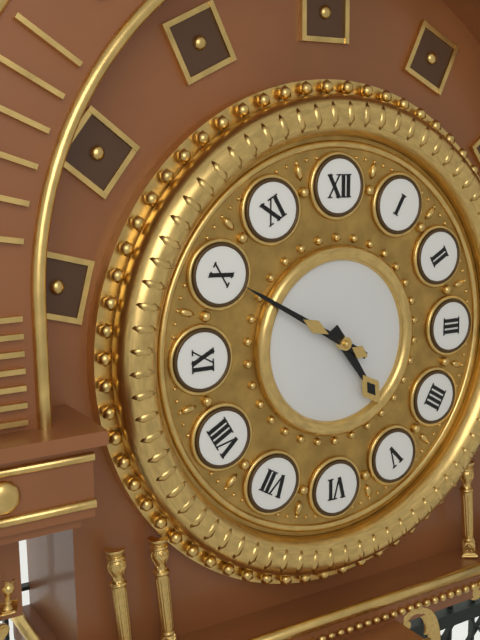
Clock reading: {"hour": 4, "minute": 50}
